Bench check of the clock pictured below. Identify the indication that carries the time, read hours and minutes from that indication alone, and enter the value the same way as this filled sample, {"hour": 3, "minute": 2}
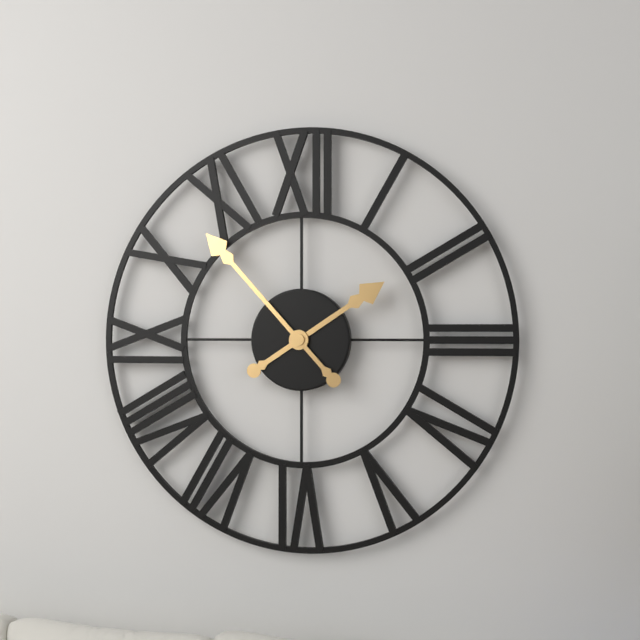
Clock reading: {"hour": 1, "minute": 53}
